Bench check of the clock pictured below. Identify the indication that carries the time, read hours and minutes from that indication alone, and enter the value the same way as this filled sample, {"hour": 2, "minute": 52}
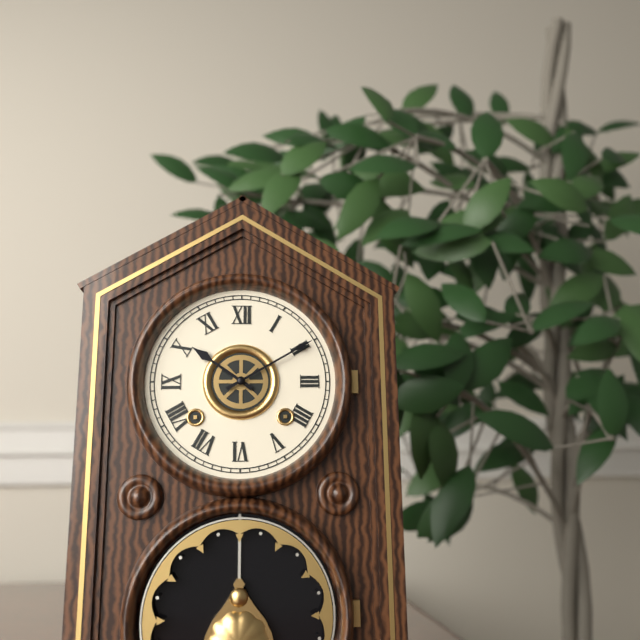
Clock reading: {"hour": 10, "minute": 10}
